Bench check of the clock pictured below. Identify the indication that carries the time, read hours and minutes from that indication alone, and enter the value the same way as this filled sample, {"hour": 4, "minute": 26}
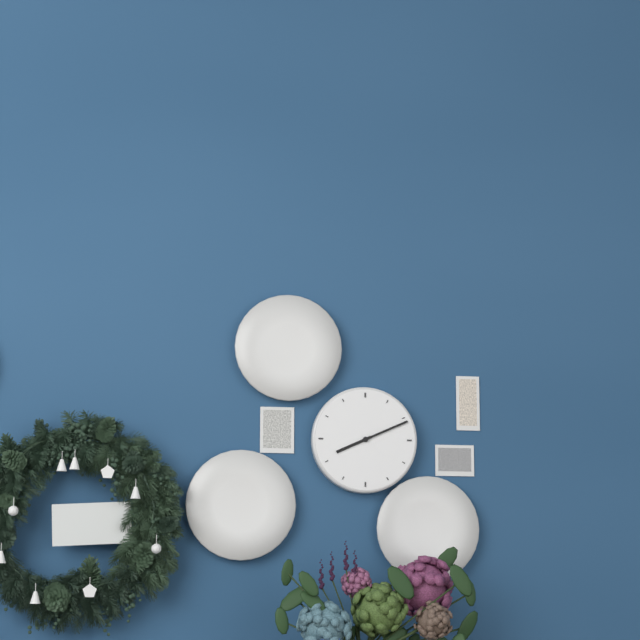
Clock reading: {"hour": 8, "minute": 11}
